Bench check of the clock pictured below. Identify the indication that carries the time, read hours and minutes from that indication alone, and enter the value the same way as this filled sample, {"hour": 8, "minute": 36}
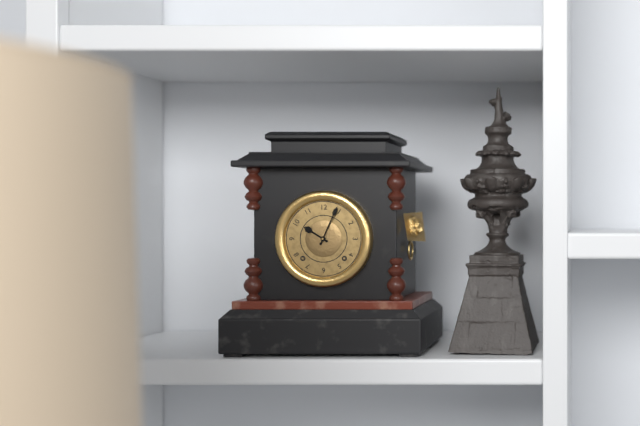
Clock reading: {"hour": 10, "minute": 4}
